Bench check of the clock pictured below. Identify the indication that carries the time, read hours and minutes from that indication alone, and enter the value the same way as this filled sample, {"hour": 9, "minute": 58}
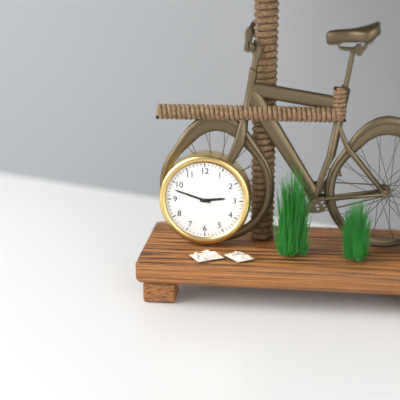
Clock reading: {"hour": 2, "minute": 48}
